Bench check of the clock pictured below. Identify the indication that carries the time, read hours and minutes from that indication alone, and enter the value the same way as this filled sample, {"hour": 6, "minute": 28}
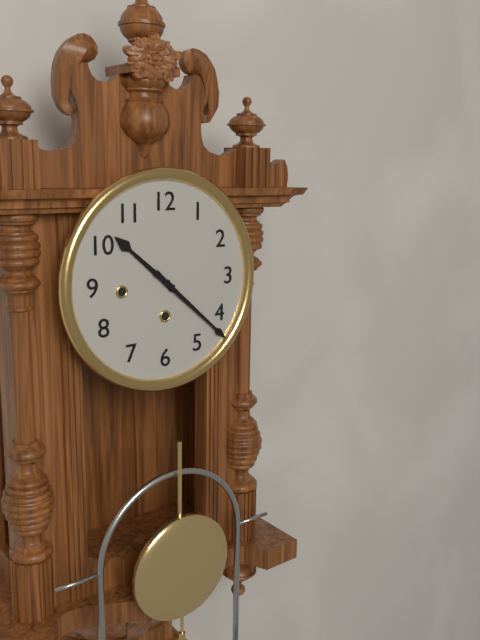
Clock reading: {"hour": 10, "minute": 22}
